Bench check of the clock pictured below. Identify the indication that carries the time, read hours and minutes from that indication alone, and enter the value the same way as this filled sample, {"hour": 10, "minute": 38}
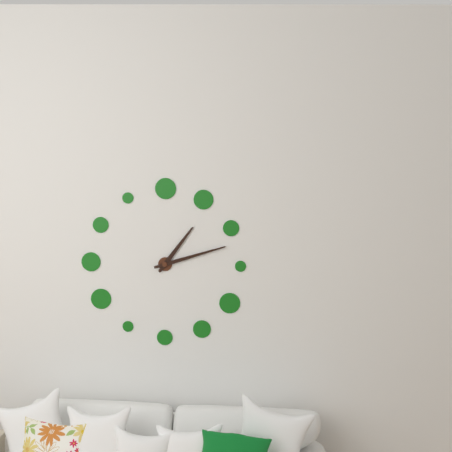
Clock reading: {"hour": 1, "minute": 12}
